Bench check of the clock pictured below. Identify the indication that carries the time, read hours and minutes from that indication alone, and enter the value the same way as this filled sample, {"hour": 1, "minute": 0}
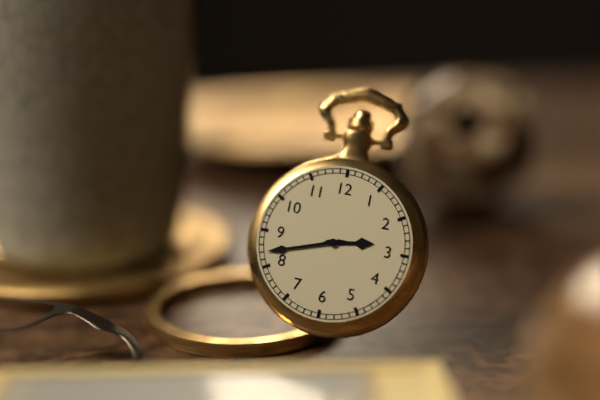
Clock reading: {"hour": 2, "minute": 42}
